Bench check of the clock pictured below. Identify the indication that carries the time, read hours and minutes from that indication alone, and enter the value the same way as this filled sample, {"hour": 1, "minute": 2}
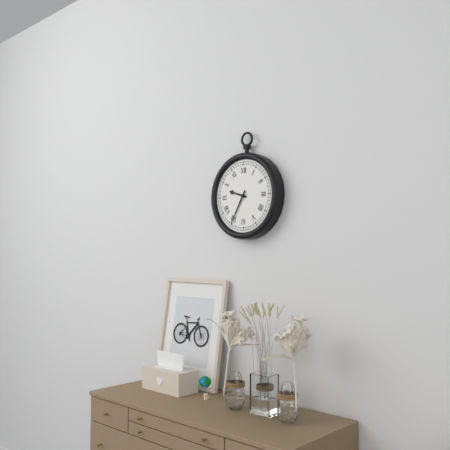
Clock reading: {"hour": 9, "minute": 35}
